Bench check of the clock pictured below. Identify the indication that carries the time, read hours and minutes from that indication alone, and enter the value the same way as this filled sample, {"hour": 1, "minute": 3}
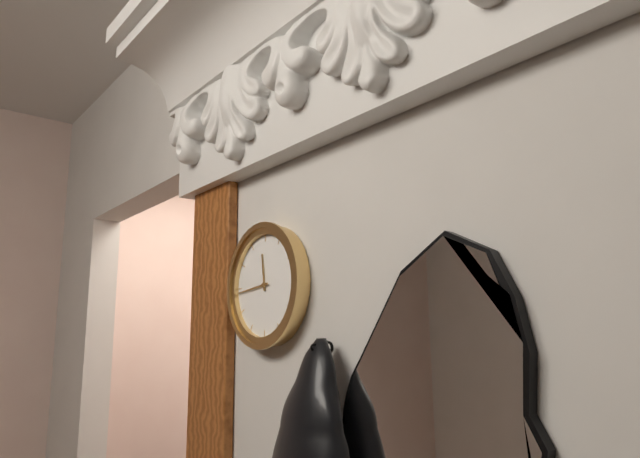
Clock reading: {"hour": 11, "minute": 44}
